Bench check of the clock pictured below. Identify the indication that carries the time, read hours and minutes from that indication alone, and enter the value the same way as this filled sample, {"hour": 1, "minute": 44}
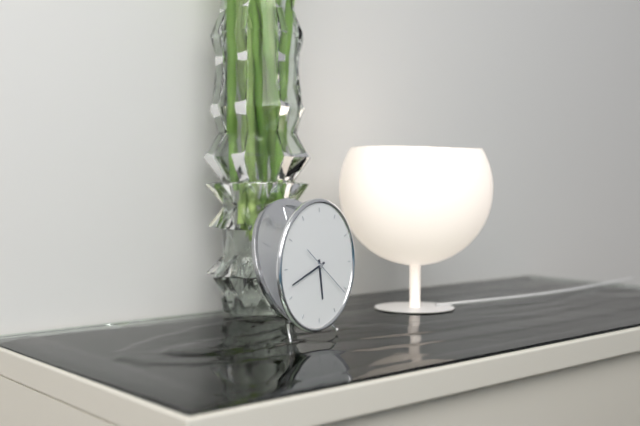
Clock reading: {"hour": 5, "minute": 42}
